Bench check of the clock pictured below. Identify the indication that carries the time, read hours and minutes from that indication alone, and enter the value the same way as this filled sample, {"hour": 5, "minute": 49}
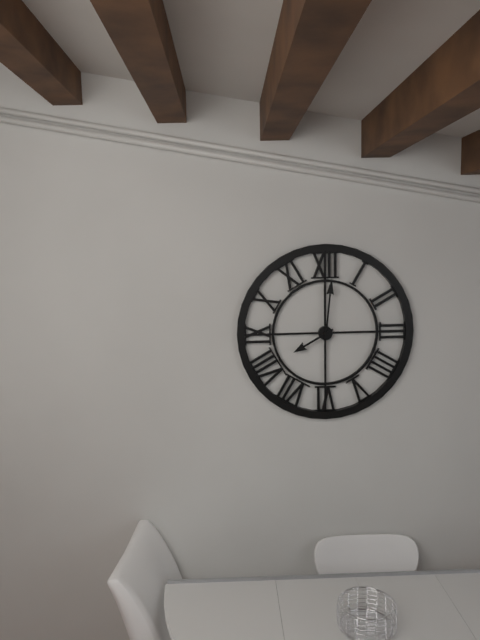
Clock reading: {"hour": 8, "minute": 1}
